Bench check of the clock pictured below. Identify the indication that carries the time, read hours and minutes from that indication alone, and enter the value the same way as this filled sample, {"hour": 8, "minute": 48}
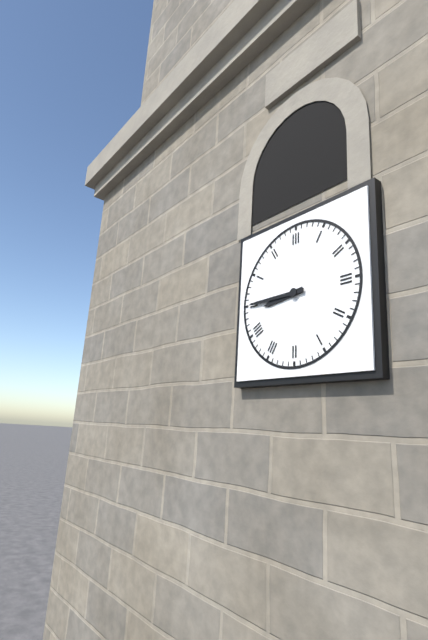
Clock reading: {"hour": 8, "minute": 45}
